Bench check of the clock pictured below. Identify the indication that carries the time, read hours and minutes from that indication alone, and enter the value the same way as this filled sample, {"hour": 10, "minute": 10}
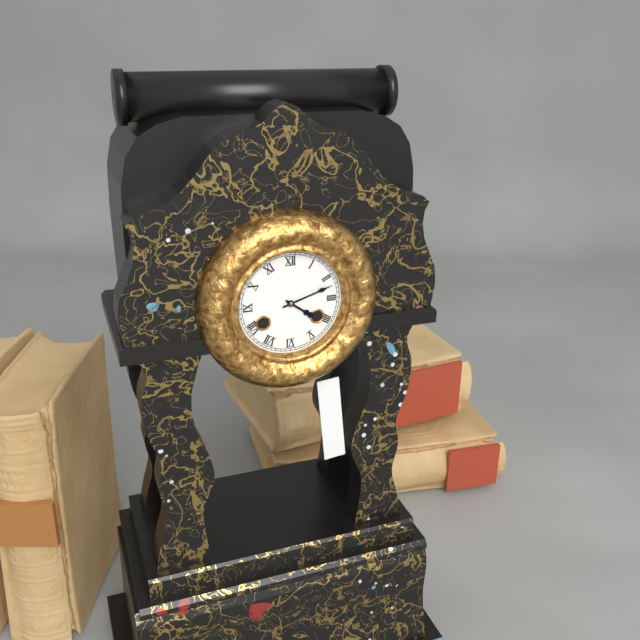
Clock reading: {"hour": 4, "minute": 12}
